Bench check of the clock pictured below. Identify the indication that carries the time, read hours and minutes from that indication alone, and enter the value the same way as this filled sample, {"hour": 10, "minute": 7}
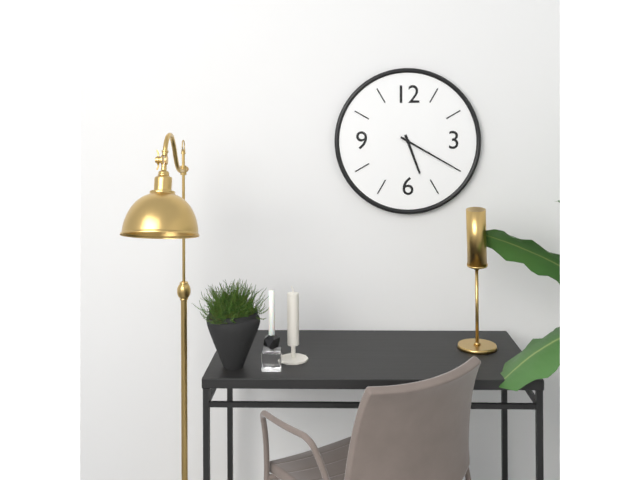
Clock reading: {"hour": 5, "minute": 20}
